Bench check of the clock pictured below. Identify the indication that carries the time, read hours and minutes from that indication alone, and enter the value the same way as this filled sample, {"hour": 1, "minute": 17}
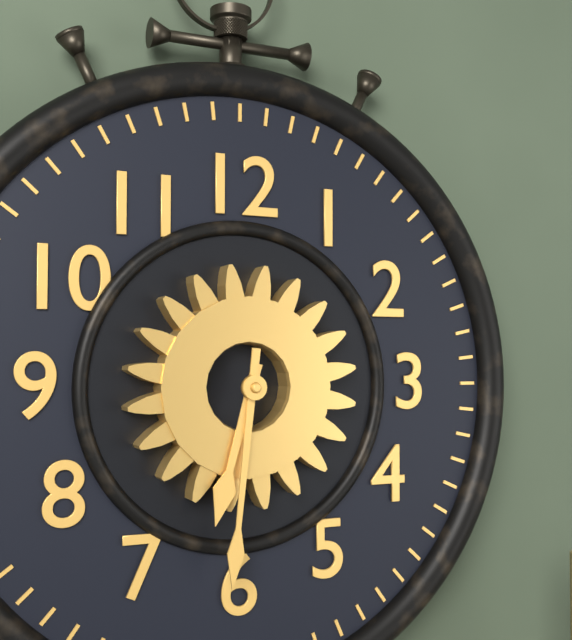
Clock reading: {"hour": 6, "minute": 31}
